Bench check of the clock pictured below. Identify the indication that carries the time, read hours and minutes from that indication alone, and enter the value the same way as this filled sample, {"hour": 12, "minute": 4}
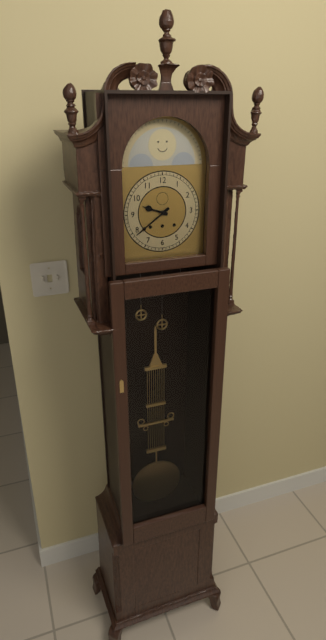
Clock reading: {"hour": 9, "minute": 39}
